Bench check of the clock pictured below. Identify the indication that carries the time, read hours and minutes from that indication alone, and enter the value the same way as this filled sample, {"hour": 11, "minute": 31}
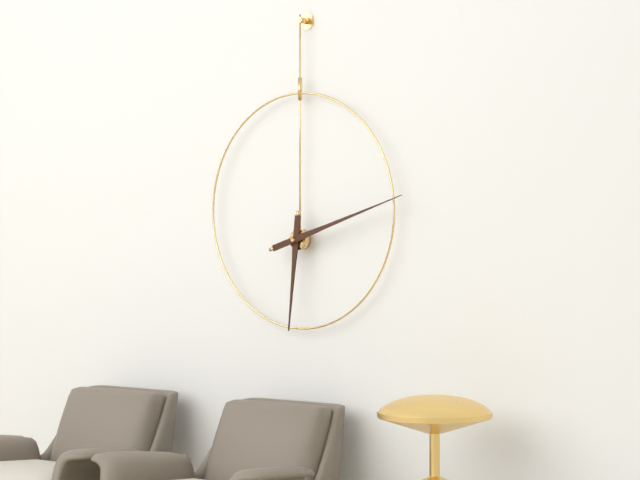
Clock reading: {"hour": 6, "minute": 12}
